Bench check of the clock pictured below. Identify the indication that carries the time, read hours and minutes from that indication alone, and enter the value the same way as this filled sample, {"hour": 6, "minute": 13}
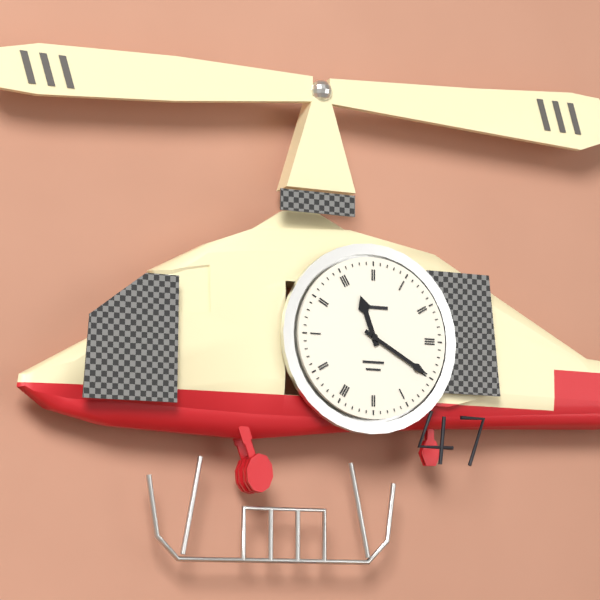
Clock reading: {"hour": 11, "minute": 20}
